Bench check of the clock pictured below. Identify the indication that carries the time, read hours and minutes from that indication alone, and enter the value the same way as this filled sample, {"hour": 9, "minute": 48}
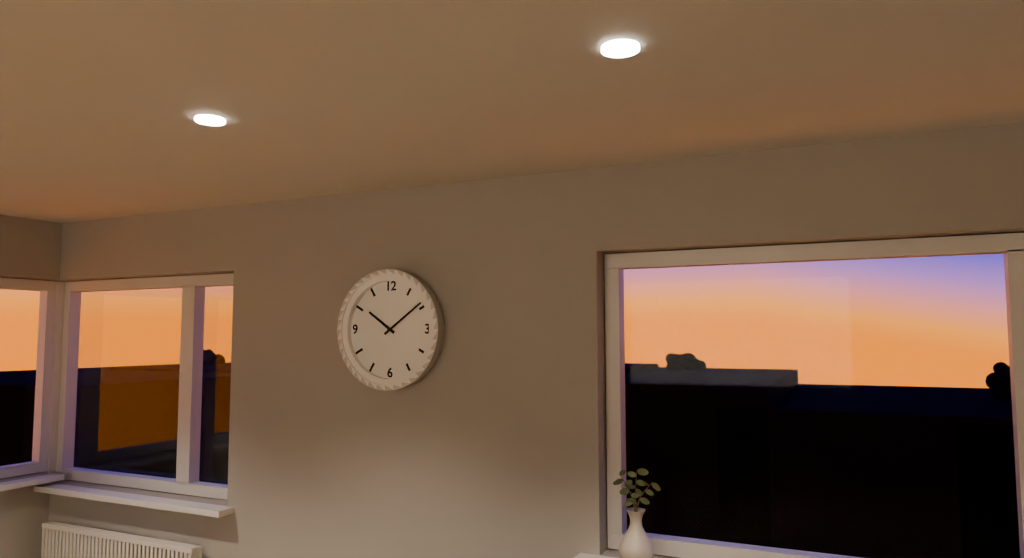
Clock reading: {"hour": 10, "minute": 9}
